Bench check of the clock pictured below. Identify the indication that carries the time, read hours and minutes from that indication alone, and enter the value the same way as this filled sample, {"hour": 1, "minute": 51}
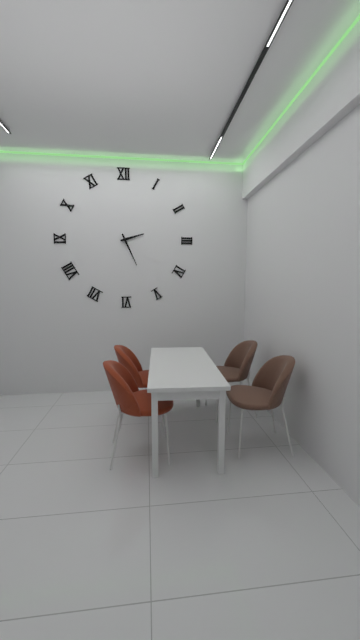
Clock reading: {"hour": 2, "minute": 26}
